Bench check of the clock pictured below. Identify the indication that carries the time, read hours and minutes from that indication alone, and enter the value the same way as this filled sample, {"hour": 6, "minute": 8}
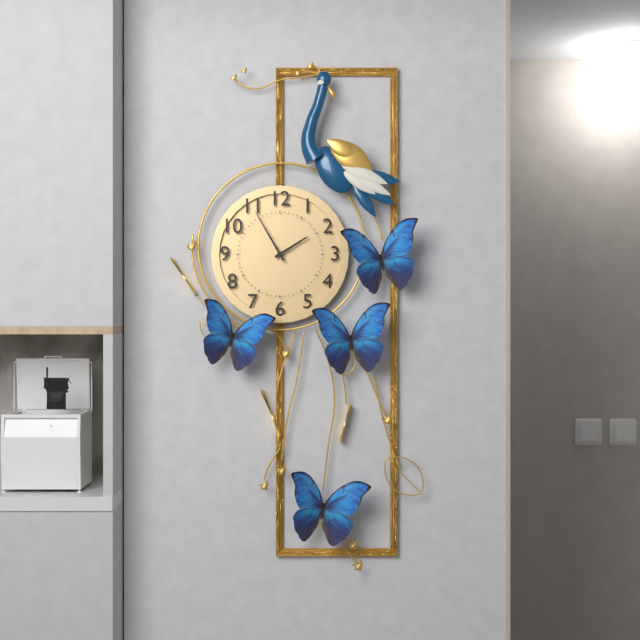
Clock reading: {"hour": 1, "minute": 55}
